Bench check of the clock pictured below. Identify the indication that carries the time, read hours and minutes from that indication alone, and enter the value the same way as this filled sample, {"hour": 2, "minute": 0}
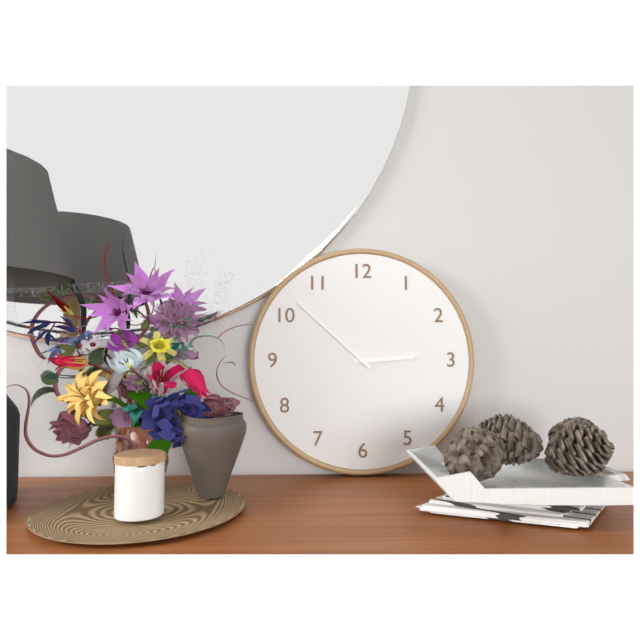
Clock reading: {"hour": 2, "minute": 52}
